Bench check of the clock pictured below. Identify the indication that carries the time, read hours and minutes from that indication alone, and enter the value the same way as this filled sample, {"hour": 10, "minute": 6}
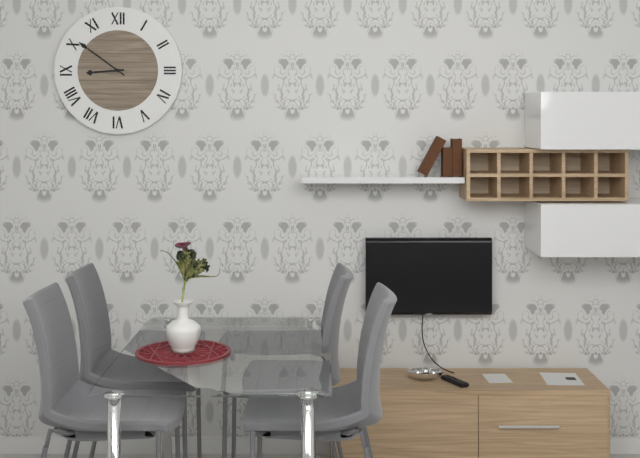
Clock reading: {"hour": 8, "minute": 51}
